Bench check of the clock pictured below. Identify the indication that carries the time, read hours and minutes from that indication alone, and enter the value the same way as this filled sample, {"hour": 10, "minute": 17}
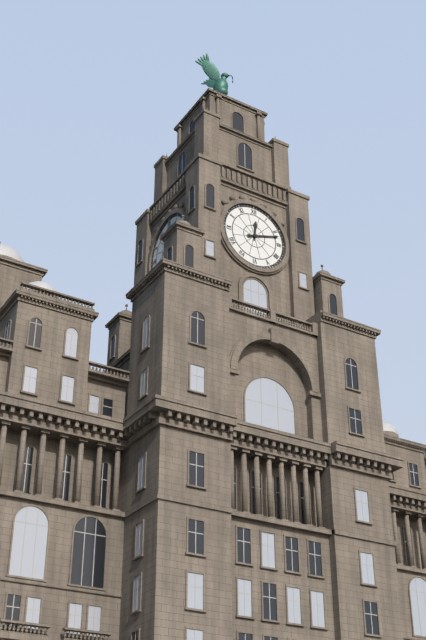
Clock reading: {"hour": 12, "minute": 12}
